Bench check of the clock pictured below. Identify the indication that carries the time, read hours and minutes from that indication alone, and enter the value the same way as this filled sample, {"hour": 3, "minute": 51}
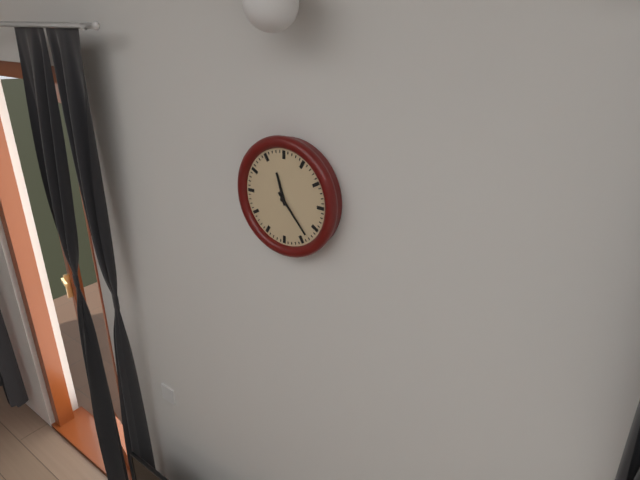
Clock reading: {"hour": 11, "minute": 23}
